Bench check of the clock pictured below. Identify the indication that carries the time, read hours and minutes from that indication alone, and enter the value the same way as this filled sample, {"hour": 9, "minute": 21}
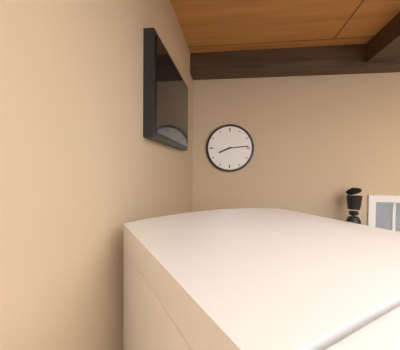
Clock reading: {"hour": 8, "minute": 14}
